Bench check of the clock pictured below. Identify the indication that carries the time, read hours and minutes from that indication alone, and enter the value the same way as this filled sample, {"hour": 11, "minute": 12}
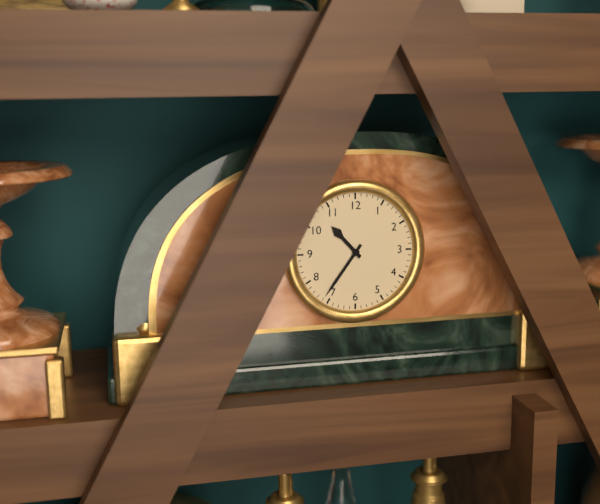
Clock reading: {"hour": 10, "minute": 36}
